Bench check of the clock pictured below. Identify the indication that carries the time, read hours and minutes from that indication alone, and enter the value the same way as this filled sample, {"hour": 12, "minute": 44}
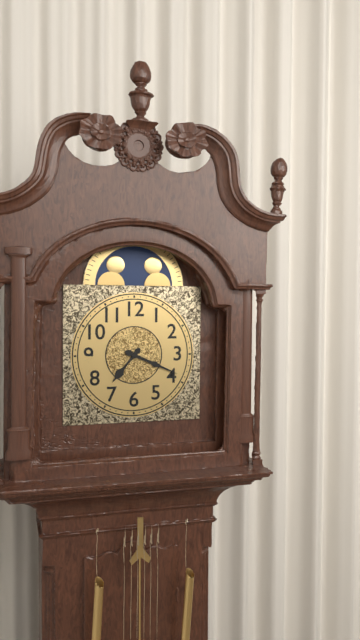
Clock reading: {"hour": 7, "minute": 19}
